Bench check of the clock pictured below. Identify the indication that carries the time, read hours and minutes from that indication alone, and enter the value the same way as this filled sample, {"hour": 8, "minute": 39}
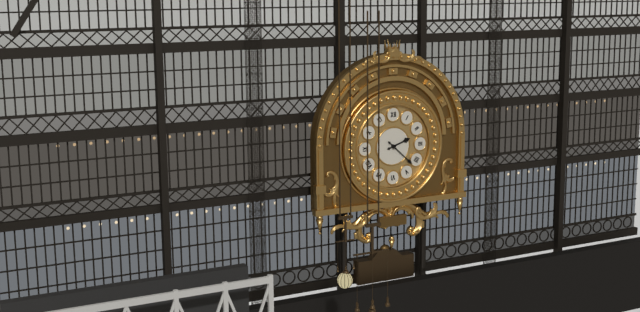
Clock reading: {"hour": 2, "minute": 22}
